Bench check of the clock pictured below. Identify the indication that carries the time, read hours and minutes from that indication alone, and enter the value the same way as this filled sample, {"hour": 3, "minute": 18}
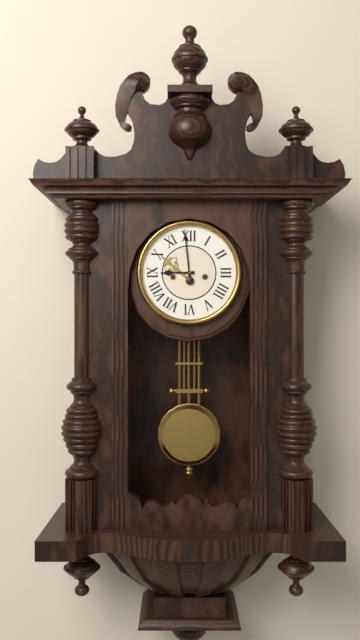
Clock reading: {"hour": 8, "minute": 59}
